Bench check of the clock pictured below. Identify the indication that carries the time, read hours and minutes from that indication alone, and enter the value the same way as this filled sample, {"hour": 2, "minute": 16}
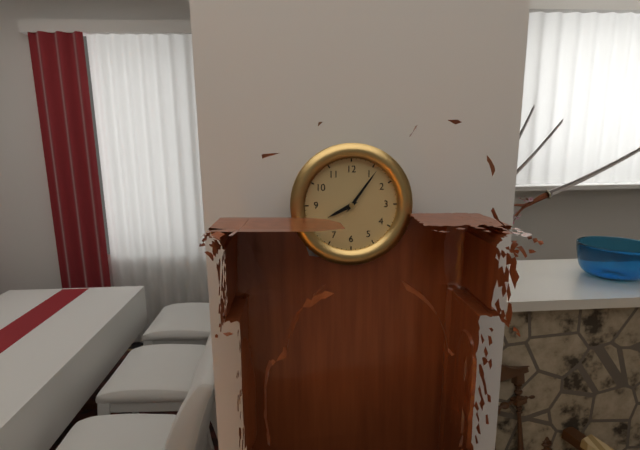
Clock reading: {"hour": 8, "minute": 6}
